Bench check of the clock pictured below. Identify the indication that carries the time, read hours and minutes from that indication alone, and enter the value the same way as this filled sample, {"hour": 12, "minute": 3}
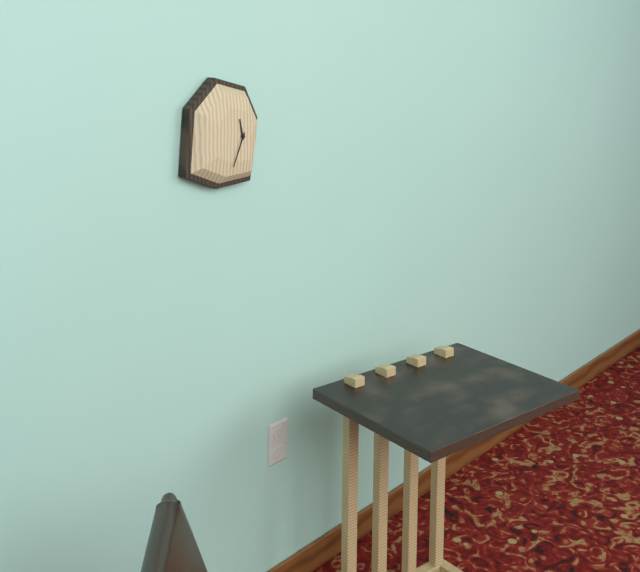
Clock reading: {"hour": 11, "minute": 34}
